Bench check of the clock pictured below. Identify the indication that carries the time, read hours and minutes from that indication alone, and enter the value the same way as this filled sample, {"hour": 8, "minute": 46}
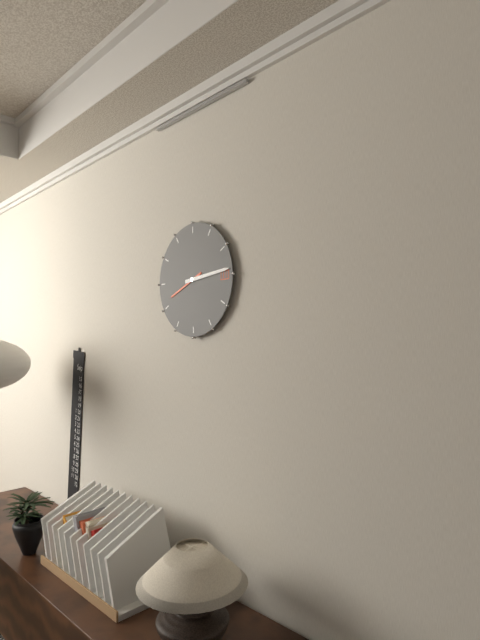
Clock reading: {"hour": 8, "minute": 14}
